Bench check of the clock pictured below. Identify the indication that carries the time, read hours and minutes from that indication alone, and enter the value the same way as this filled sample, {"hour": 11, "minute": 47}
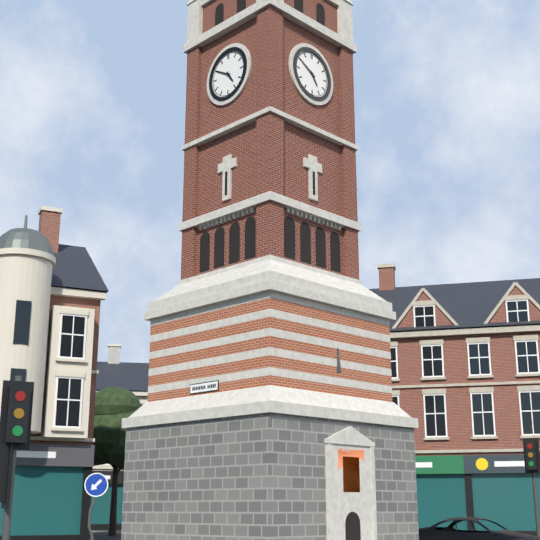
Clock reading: {"hour": 4, "minute": 50}
